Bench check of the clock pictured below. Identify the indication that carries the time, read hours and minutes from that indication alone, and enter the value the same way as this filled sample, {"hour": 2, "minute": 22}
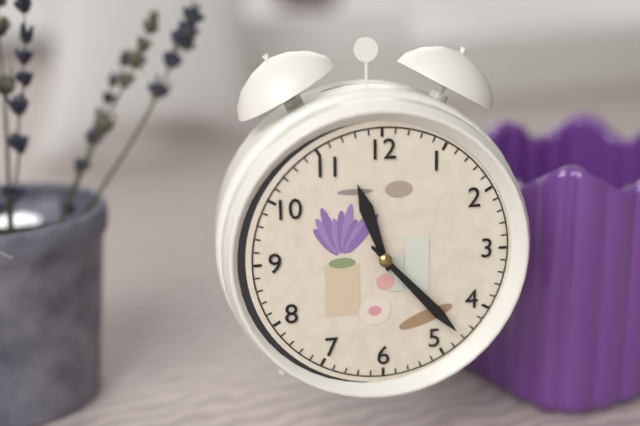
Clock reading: {"hour": 11, "minute": 23}
